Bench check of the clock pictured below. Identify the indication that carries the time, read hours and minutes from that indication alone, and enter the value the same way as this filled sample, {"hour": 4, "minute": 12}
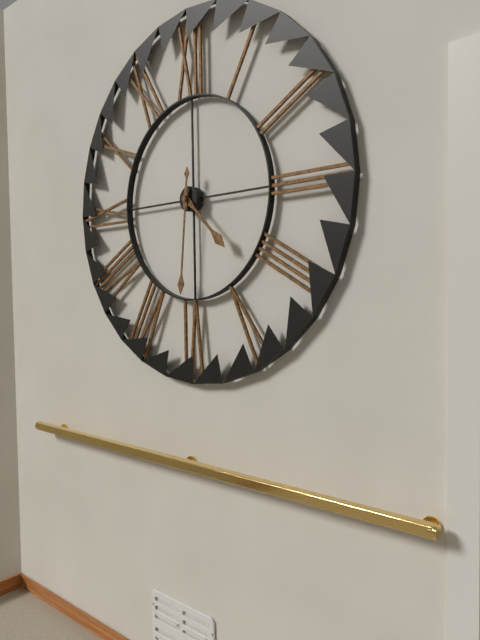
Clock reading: {"hour": 4, "minute": 31}
